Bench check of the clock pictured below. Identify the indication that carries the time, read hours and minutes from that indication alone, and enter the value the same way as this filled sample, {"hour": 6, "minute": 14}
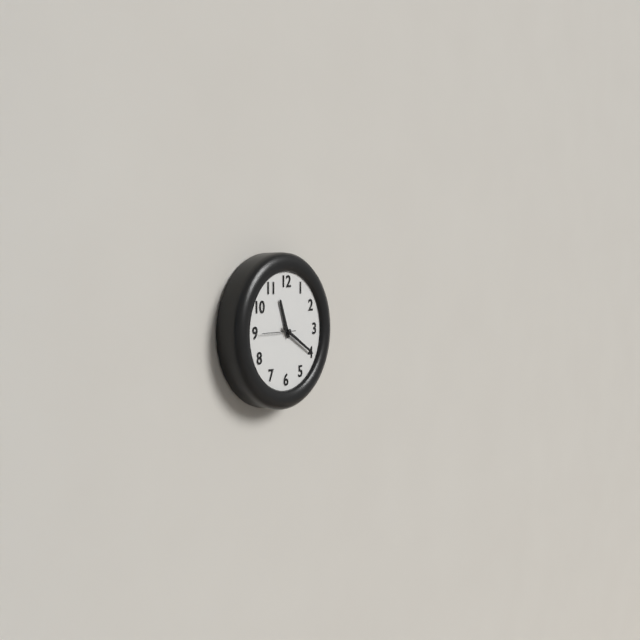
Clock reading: {"hour": 11, "minute": 20}
